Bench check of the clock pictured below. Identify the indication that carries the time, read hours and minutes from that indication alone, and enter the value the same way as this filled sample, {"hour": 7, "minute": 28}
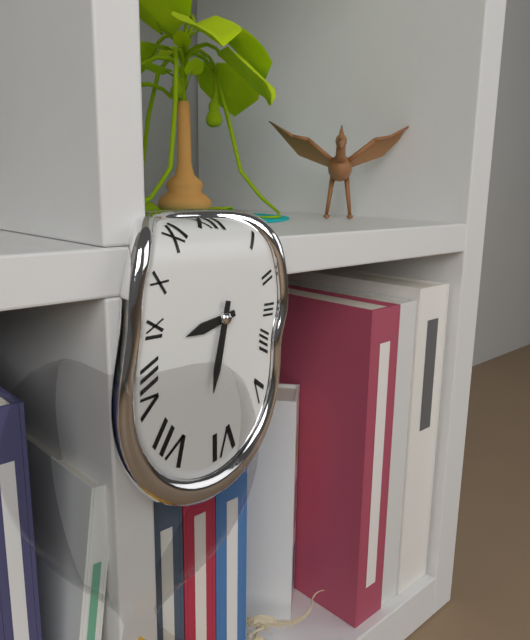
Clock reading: {"hour": 8, "minute": 32}
